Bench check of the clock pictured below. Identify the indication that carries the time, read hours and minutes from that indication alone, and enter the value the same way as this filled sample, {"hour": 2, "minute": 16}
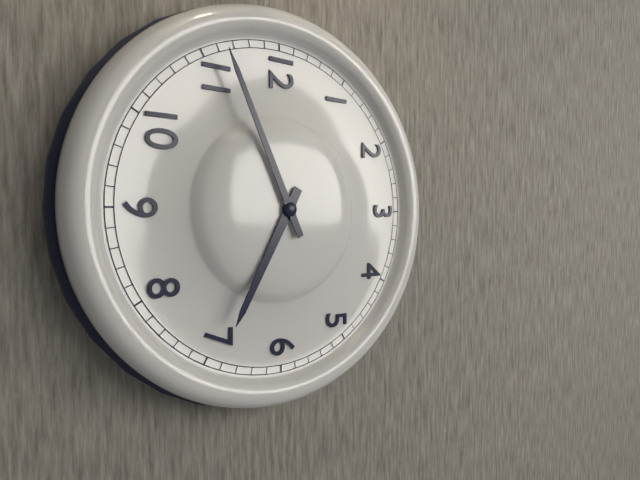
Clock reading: {"hour": 6, "minute": 56}
